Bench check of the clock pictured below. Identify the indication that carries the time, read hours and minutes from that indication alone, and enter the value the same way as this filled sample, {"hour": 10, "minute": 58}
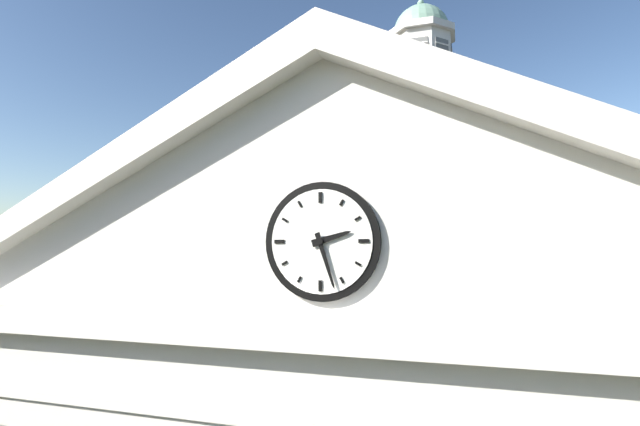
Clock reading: {"hour": 2, "minute": 27}
